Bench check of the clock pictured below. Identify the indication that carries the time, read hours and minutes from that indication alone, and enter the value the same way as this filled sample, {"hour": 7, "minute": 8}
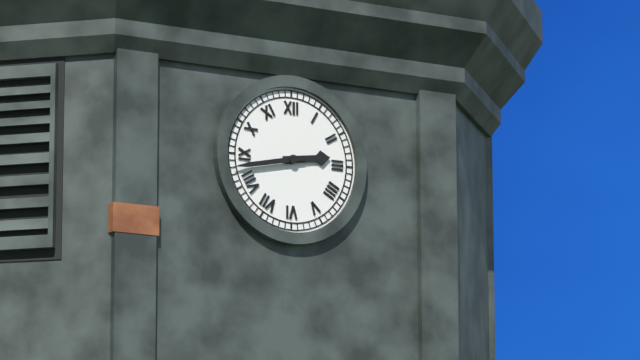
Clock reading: {"hour": 2, "minute": 43}
